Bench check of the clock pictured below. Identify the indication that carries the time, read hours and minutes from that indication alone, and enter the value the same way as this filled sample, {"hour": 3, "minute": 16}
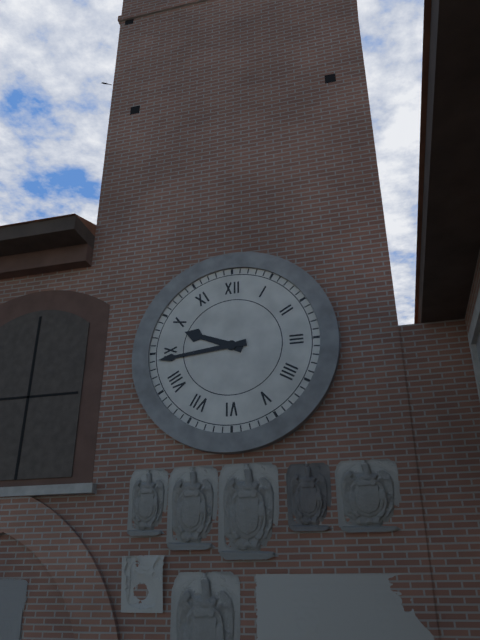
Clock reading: {"hour": 9, "minute": 44}
